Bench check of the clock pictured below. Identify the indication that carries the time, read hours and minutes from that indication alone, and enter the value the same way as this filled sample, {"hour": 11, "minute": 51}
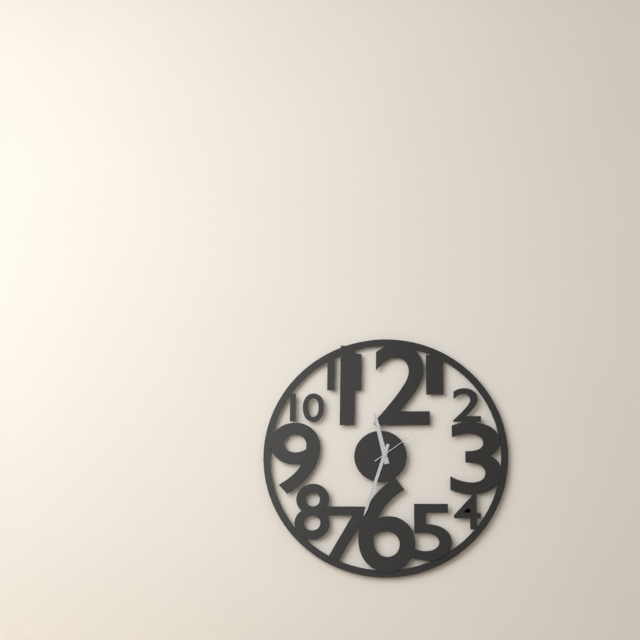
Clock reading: {"hour": 11, "minute": 33}
